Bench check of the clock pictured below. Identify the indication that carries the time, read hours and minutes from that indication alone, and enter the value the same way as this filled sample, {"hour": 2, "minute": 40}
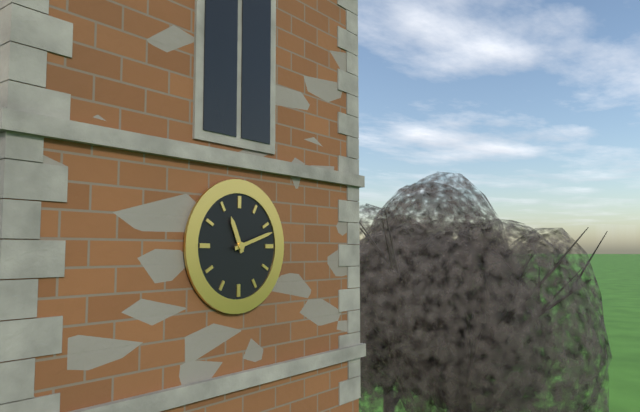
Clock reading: {"hour": 11, "minute": 12}
